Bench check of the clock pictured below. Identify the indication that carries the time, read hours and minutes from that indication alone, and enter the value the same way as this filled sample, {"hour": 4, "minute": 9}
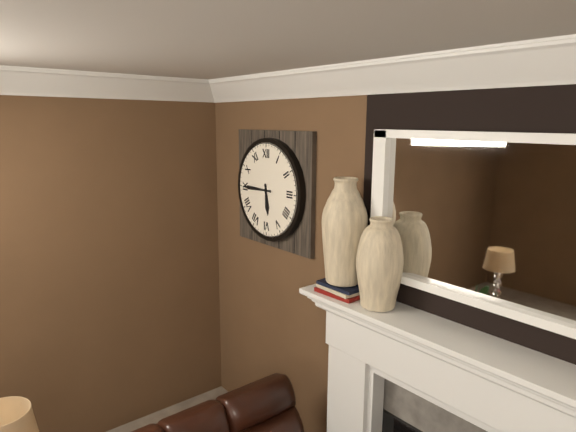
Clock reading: {"hour": 5, "minute": 45}
